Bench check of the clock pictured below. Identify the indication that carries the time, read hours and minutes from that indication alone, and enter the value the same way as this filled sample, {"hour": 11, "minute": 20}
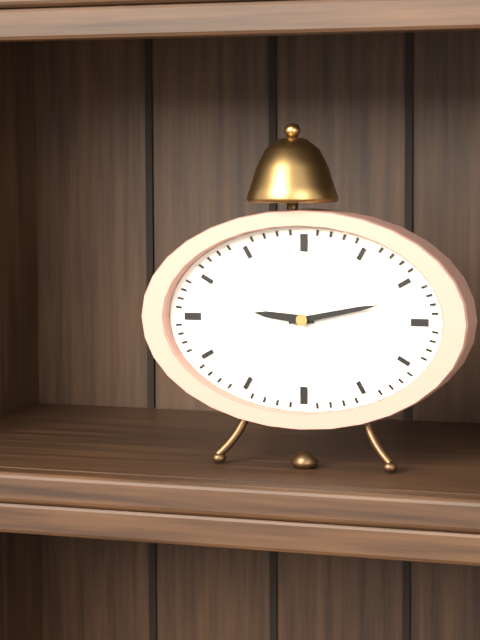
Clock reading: {"hour": 9, "minute": 13}
